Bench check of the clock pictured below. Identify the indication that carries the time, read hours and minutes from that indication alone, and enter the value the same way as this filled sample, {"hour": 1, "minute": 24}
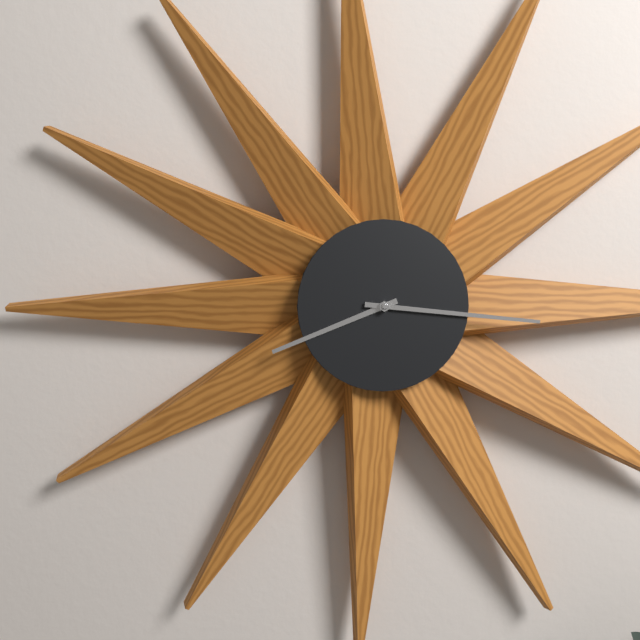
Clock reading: {"hour": 8, "minute": 16}
